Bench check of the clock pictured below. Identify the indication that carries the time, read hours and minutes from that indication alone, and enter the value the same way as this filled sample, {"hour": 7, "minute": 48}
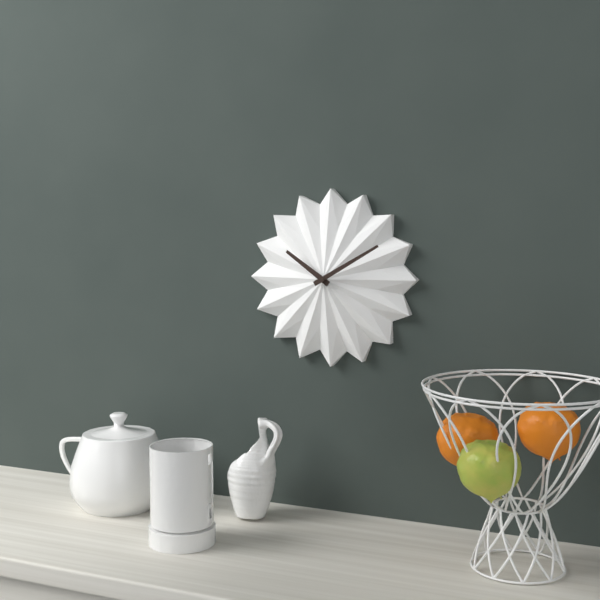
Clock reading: {"hour": 10, "minute": 10}
